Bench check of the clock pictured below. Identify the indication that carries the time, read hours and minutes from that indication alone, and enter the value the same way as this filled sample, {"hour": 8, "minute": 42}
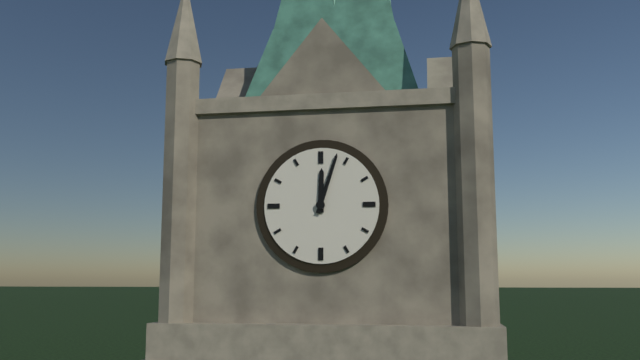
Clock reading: {"hour": 12, "minute": 3}
